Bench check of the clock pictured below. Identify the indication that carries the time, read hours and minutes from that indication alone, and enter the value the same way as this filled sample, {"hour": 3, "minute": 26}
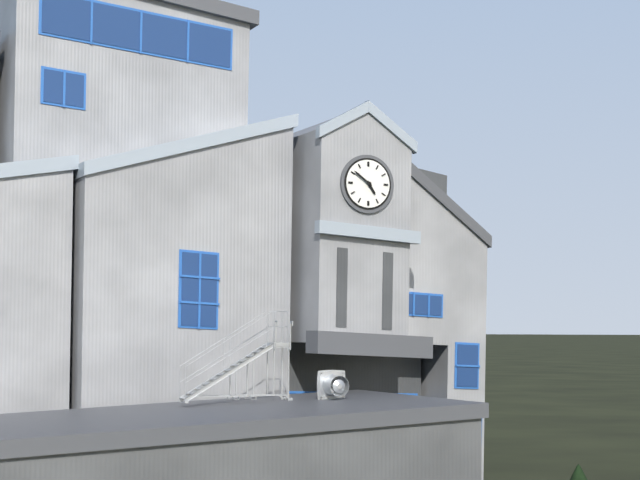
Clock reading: {"hour": 4, "minute": 51}
